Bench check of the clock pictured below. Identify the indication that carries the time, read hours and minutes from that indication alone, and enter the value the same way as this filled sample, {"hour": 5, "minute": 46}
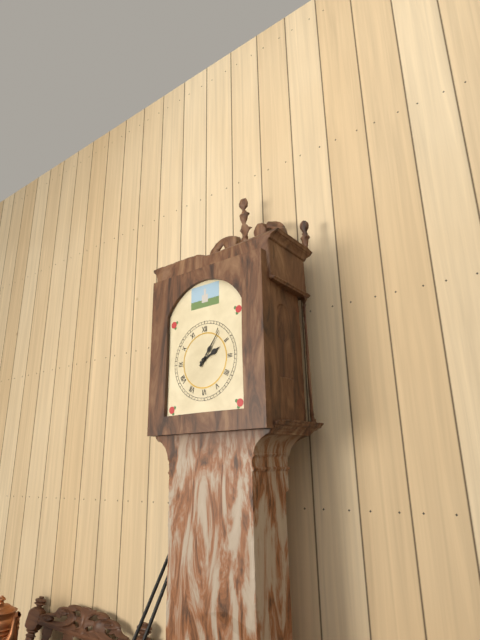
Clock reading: {"hour": 2, "minute": 6}
